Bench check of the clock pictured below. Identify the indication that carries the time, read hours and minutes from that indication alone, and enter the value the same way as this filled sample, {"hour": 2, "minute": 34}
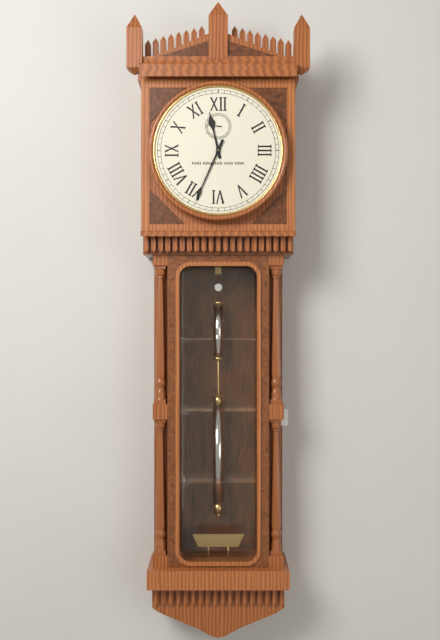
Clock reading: {"hour": 11, "minute": 34}
